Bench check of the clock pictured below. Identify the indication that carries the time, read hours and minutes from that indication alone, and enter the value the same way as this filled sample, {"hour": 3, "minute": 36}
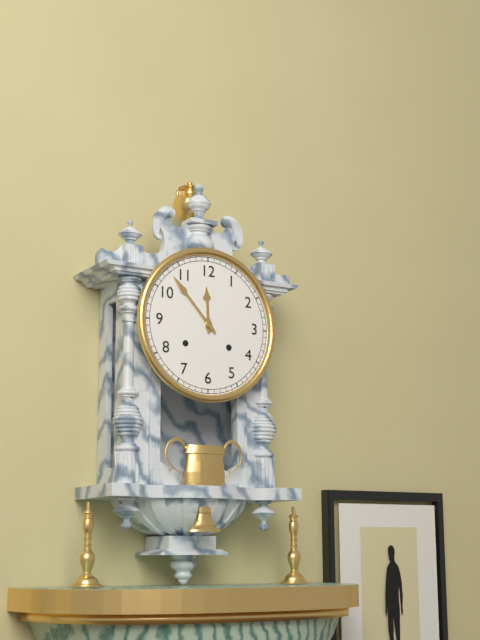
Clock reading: {"hour": 11, "minute": 53}
